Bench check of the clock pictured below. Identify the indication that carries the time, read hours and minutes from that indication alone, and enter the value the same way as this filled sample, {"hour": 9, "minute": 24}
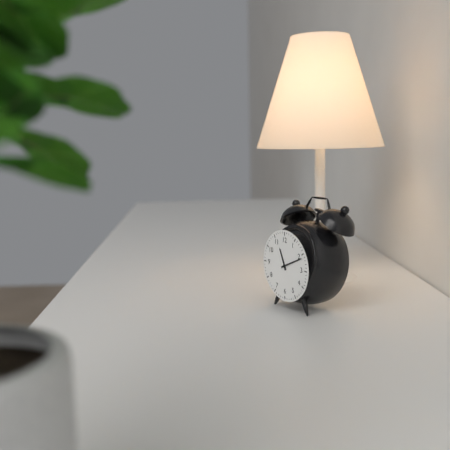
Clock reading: {"hour": 11, "minute": 11}
